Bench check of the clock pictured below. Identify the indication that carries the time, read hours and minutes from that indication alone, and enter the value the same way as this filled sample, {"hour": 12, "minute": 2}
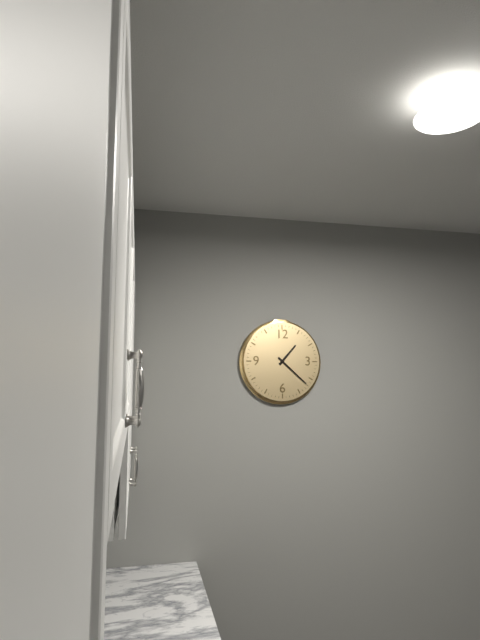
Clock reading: {"hour": 1, "minute": 22}
